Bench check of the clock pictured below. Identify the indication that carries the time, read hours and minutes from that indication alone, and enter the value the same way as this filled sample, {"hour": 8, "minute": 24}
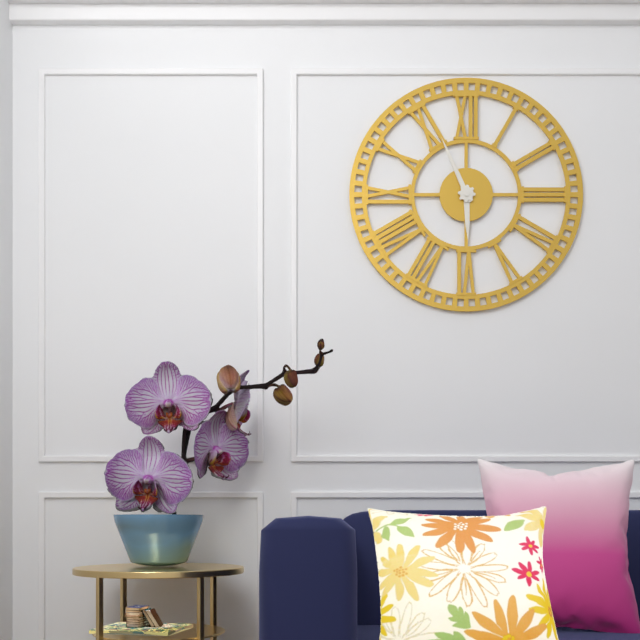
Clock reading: {"hour": 5, "minute": 56}
